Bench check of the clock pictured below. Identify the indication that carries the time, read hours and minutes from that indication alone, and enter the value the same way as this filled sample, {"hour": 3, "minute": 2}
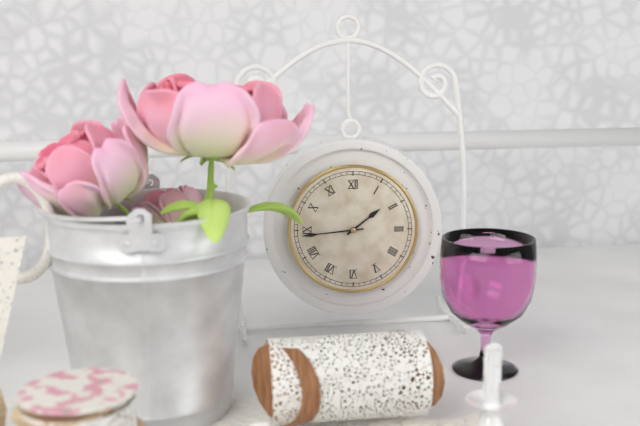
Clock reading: {"hour": 1, "minute": 44}
